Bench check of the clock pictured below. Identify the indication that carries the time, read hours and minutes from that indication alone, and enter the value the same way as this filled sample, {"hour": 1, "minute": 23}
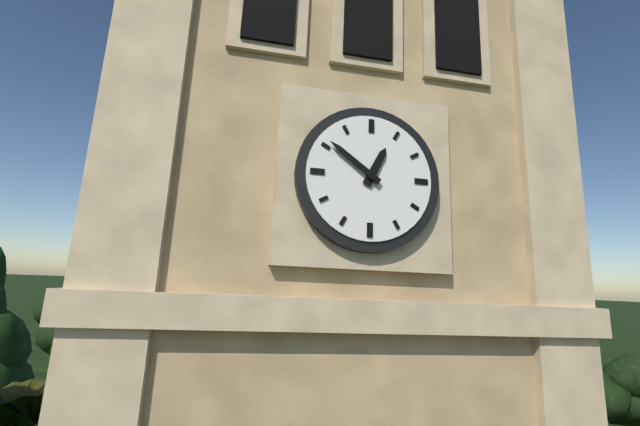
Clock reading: {"hour": 12, "minute": 51}
